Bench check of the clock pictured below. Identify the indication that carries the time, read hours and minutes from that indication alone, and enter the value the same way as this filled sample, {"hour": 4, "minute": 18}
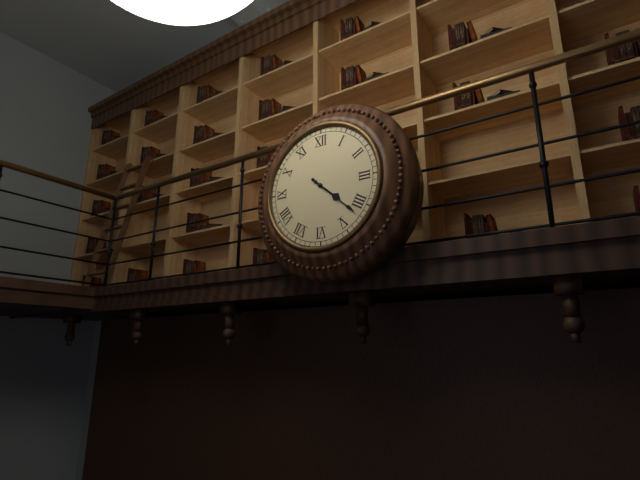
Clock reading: {"hour": 4, "minute": 22}
